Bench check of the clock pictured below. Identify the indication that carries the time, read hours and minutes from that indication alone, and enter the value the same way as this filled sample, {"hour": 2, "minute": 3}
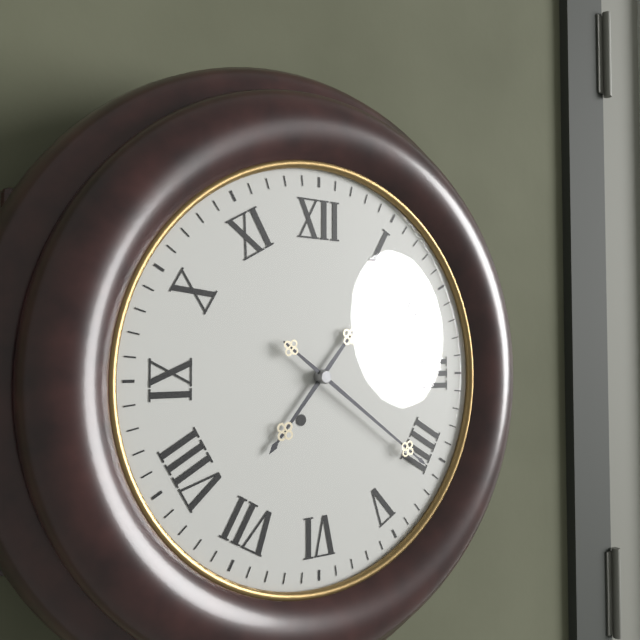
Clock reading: {"hour": 7, "minute": 21}
